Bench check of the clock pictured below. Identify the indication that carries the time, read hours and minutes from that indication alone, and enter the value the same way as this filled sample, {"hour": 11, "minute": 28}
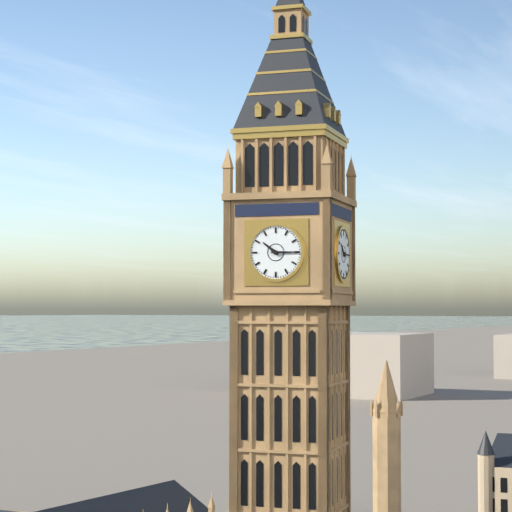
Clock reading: {"hour": 10, "minute": 15}
